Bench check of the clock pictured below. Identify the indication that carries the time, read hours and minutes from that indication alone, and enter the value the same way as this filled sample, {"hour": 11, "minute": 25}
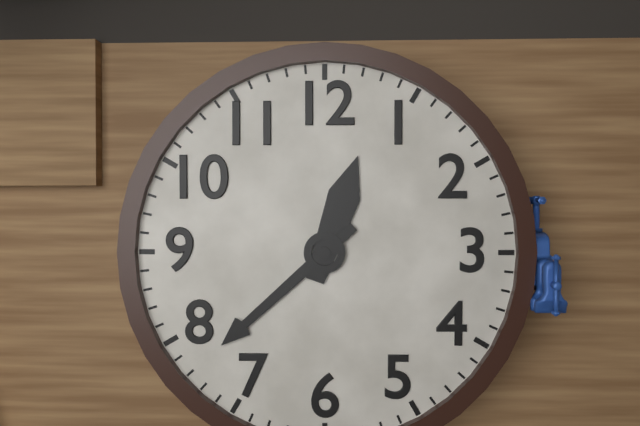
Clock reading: {"hour": 12, "minute": 38}
